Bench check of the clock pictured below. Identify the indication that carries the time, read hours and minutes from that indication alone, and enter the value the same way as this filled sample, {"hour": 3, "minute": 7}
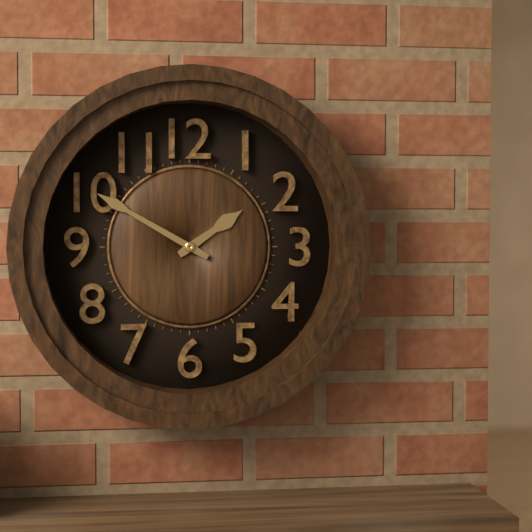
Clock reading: {"hour": 1, "minute": 50}
